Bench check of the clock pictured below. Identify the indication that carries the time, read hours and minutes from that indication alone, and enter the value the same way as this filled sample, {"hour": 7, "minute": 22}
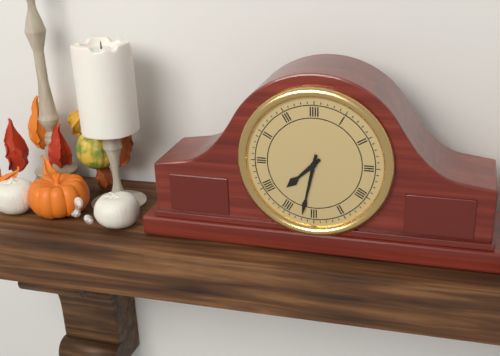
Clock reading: {"hour": 7, "minute": 32}
